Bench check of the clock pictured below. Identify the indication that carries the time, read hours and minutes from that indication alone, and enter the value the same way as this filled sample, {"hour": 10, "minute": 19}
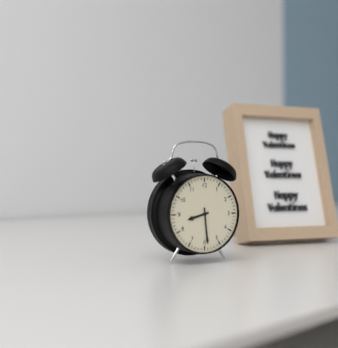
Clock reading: {"hour": 8, "minute": 29}
